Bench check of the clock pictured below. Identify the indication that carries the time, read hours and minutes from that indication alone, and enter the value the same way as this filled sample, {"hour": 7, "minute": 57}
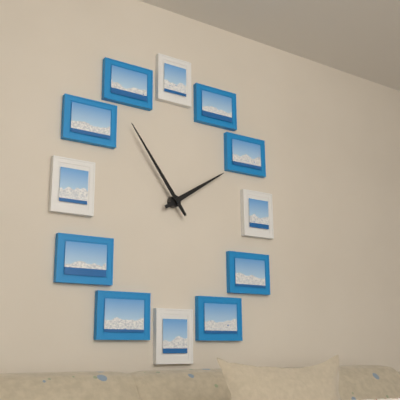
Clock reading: {"hour": 1, "minute": 54}
